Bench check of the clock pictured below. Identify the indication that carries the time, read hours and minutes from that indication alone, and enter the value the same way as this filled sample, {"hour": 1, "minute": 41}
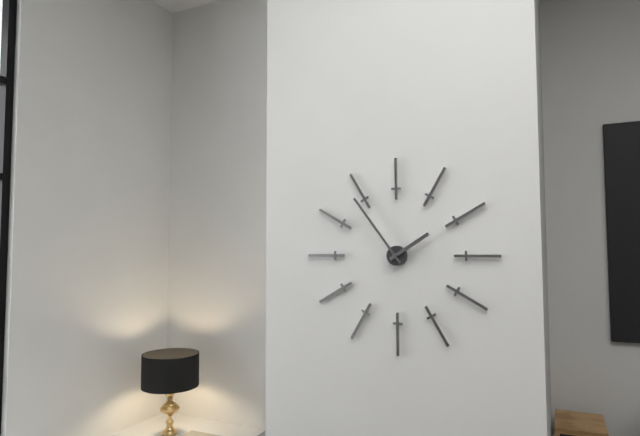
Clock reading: {"hour": 1, "minute": 54}
